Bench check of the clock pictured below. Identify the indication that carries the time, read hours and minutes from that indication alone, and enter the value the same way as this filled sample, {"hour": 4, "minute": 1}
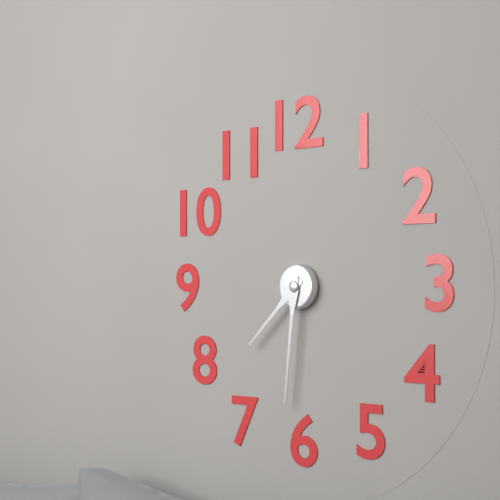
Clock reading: {"hour": 7, "minute": 31}
